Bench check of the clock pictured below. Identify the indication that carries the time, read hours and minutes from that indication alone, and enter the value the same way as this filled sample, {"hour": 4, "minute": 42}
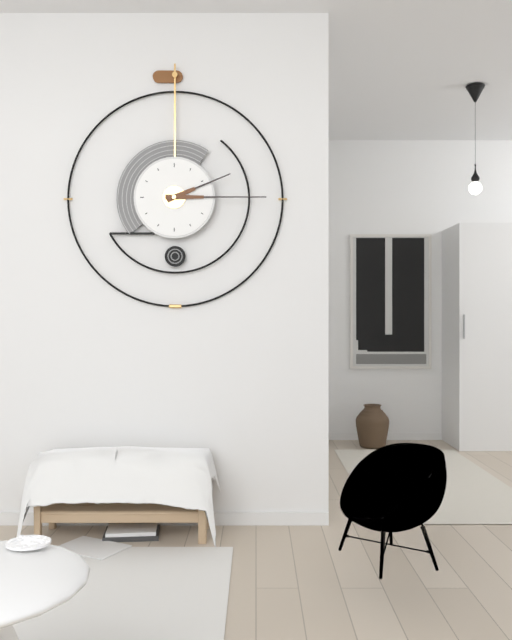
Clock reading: {"hour": 2, "minute": 15}
